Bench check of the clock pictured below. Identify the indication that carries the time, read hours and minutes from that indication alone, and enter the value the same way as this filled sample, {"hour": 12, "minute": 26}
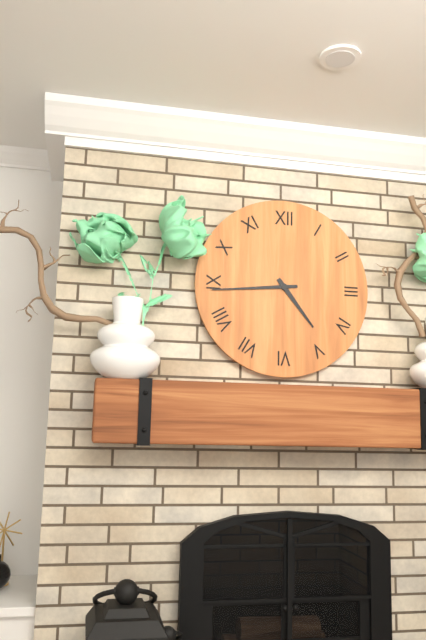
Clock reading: {"hour": 4, "minute": 44}
